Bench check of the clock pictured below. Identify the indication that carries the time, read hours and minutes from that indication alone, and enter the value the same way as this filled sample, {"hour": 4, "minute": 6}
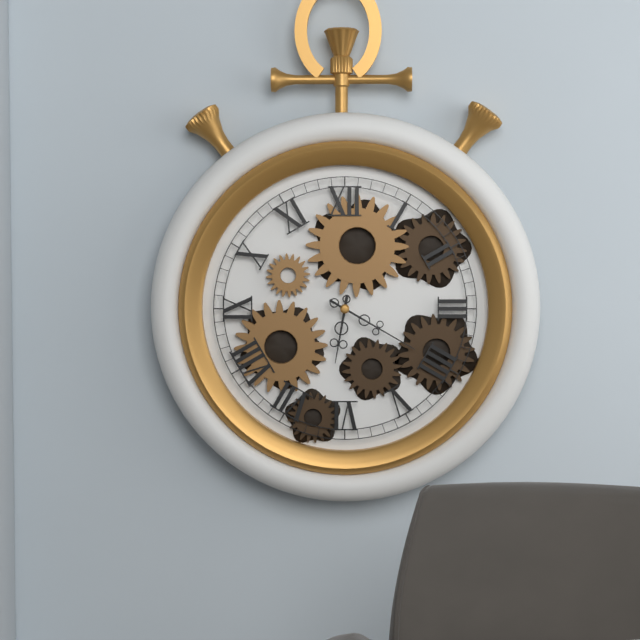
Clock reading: {"hour": 6, "minute": 20}
